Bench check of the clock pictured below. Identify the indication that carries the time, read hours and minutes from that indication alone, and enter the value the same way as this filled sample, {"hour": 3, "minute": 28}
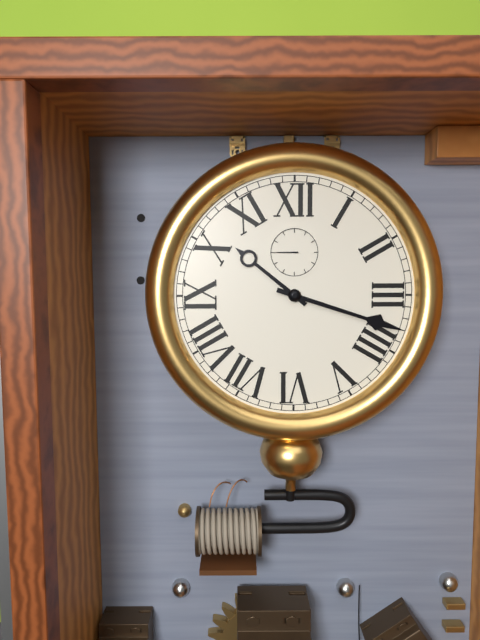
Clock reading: {"hour": 10, "minute": 18}
